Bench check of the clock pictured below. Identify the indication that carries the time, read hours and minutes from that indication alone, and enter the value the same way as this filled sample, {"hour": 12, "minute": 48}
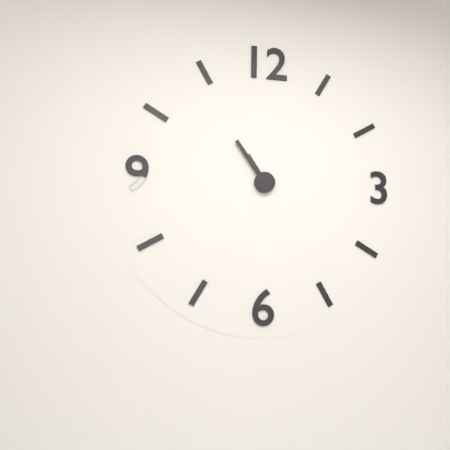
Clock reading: {"hour": 10, "minute": 54}
